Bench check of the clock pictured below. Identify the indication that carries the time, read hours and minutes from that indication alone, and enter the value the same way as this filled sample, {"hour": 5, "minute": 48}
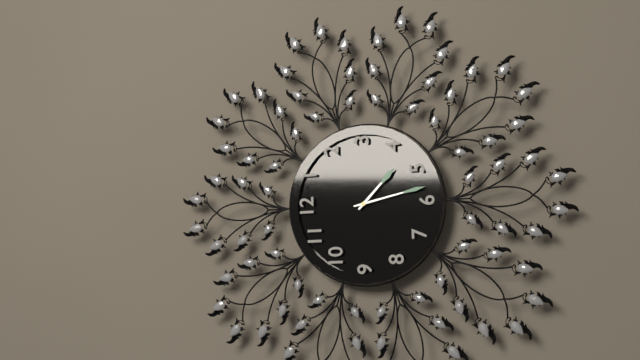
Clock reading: {"hour": 4, "minute": 28}
